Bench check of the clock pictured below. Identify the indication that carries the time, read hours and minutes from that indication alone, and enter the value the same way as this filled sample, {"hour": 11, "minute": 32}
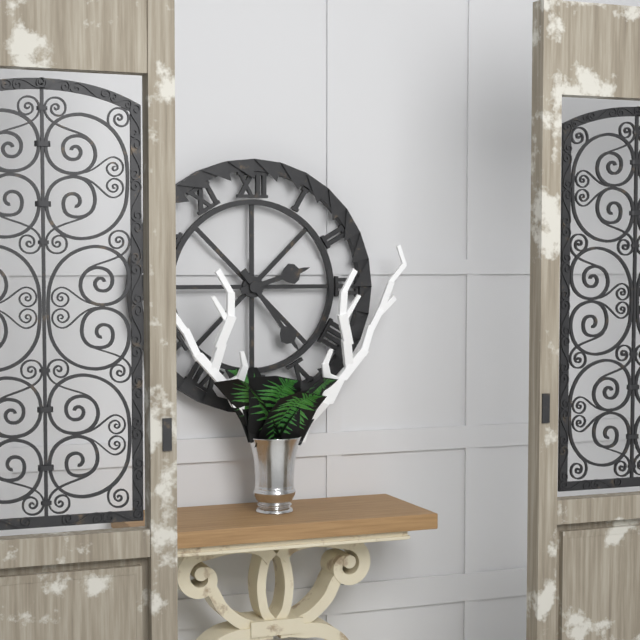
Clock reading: {"hour": 2, "minute": 24}
